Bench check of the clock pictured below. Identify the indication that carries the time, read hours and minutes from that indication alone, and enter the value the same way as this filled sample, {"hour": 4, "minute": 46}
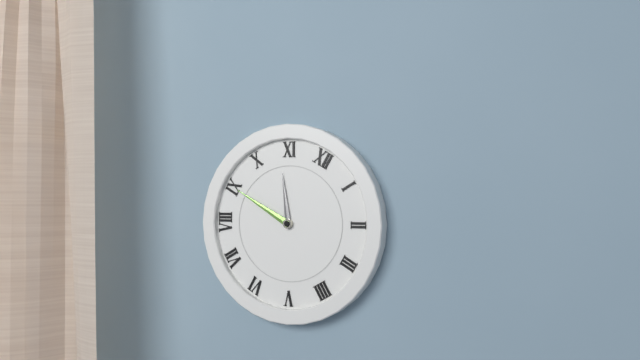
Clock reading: {"hour": 10, "minute": 45}
